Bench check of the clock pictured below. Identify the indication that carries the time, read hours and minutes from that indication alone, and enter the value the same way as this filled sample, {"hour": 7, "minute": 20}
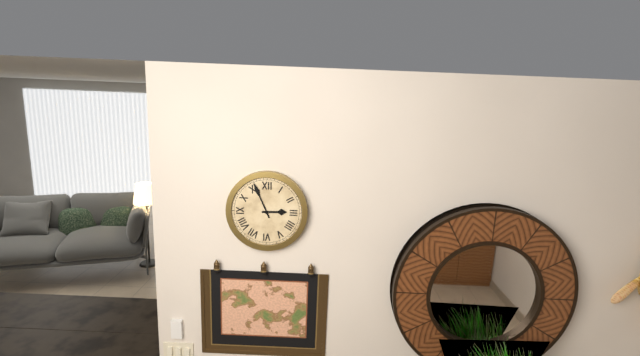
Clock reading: {"hour": 2, "minute": 56}
